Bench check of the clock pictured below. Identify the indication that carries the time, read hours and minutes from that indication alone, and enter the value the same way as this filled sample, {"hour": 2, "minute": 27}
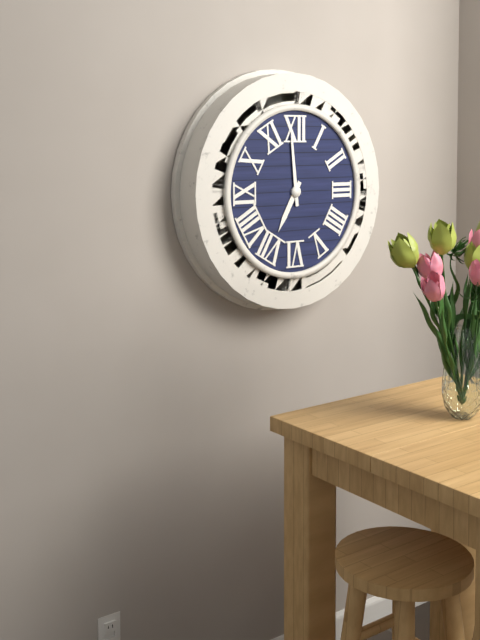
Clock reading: {"hour": 6, "minute": 59}
